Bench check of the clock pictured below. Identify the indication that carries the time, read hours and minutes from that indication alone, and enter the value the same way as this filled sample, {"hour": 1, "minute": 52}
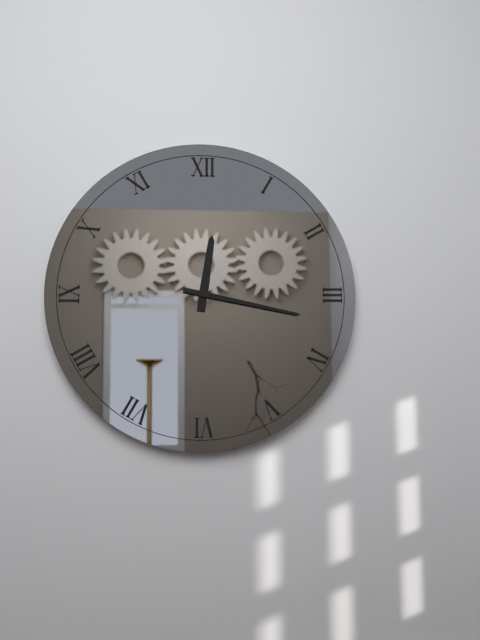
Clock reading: {"hour": 12, "minute": 17}
